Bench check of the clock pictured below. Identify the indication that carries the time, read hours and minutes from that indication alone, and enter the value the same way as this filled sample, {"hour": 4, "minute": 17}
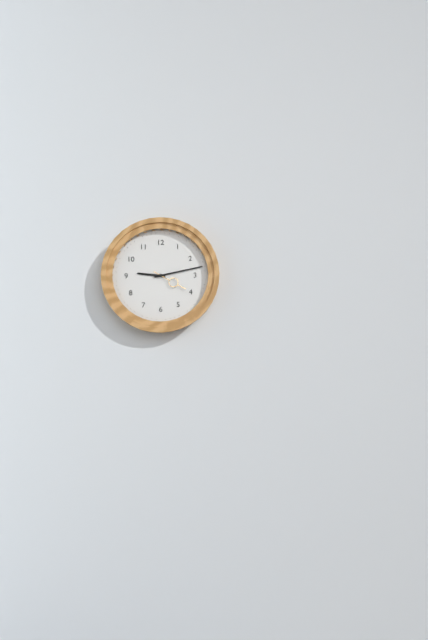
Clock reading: {"hour": 9, "minute": 13}
